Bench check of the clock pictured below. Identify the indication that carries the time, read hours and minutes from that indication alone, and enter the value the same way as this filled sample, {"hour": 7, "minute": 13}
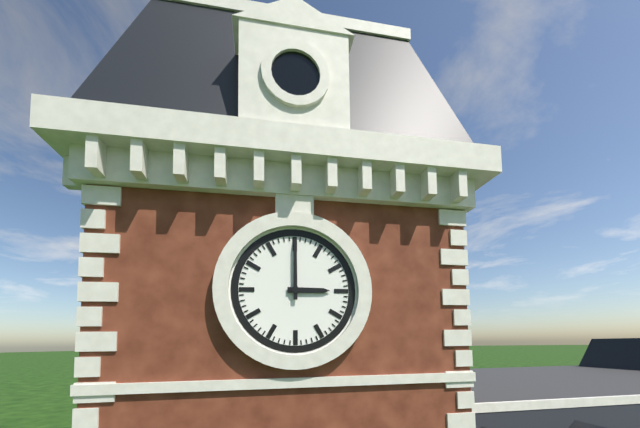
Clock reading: {"hour": 3, "minute": 0}
